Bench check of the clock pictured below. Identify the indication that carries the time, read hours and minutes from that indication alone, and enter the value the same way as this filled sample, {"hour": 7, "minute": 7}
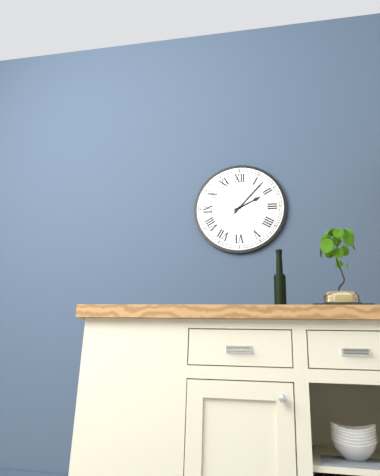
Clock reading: {"hour": 2, "minute": 7}
